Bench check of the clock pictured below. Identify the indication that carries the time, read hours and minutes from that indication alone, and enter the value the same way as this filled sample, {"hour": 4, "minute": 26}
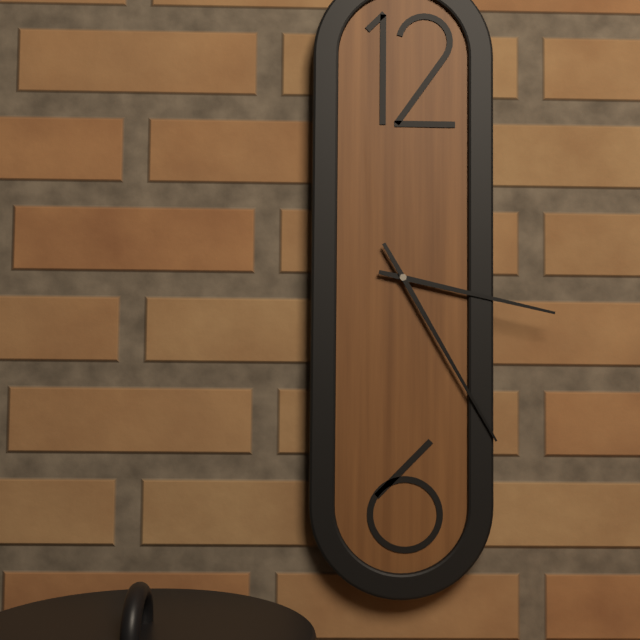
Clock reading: {"hour": 3, "minute": 25}
